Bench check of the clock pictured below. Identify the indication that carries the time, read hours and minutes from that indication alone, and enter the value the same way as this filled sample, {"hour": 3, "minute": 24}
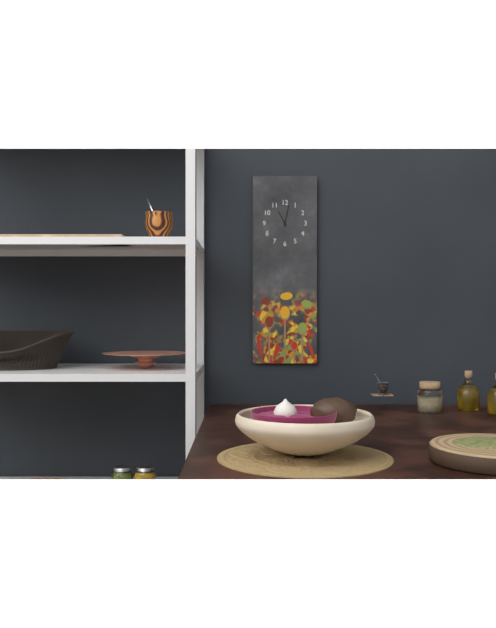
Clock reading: {"hour": 11, "minute": 2}
